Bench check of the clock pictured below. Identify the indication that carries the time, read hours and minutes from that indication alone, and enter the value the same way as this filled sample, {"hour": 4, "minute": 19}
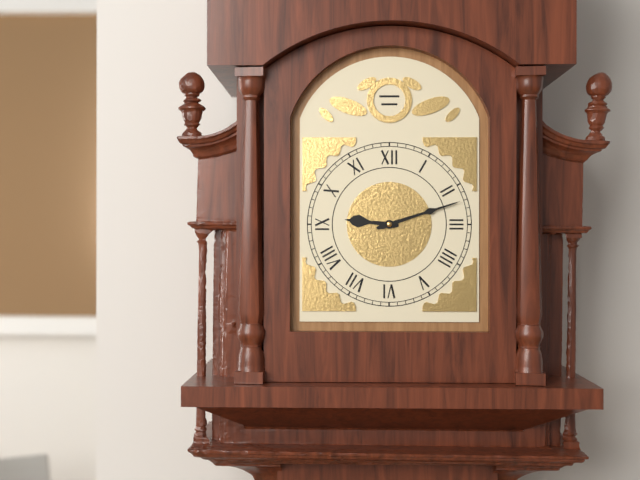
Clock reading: {"hour": 9, "minute": 12}
